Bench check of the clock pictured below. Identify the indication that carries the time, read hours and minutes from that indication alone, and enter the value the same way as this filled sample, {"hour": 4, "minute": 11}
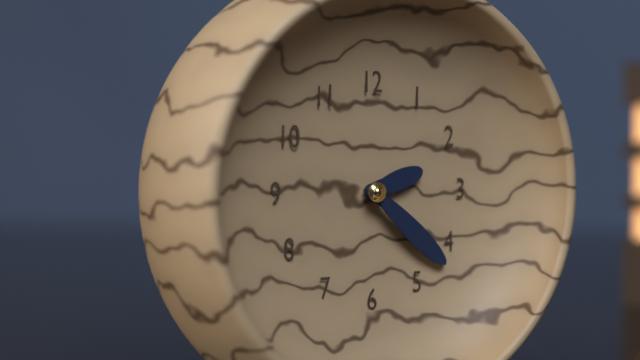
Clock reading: {"hour": 2, "minute": 22}
